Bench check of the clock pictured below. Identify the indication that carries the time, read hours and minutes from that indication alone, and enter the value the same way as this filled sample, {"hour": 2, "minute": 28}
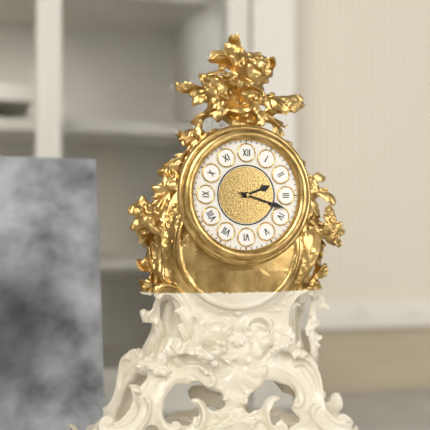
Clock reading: {"hour": 2, "minute": 18}
